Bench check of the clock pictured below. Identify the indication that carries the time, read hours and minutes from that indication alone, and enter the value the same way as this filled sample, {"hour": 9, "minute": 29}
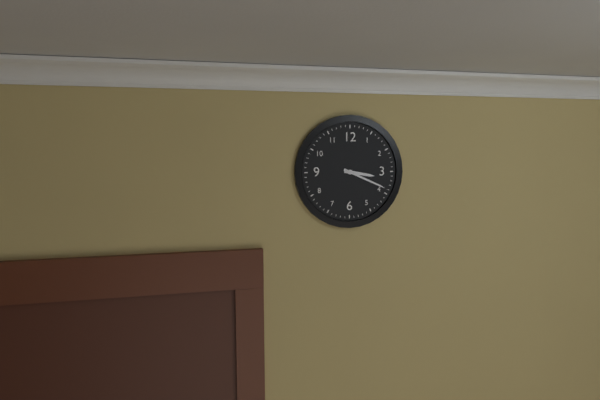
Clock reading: {"hour": 3, "minute": 19}
